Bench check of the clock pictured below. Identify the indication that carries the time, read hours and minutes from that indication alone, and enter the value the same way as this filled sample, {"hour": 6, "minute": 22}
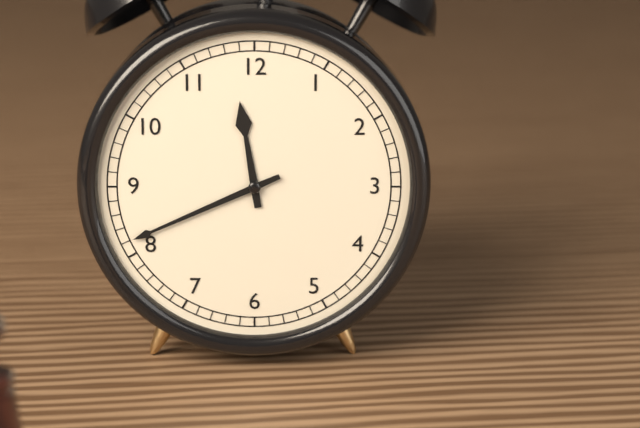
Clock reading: {"hour": 11, "minute": 41}
